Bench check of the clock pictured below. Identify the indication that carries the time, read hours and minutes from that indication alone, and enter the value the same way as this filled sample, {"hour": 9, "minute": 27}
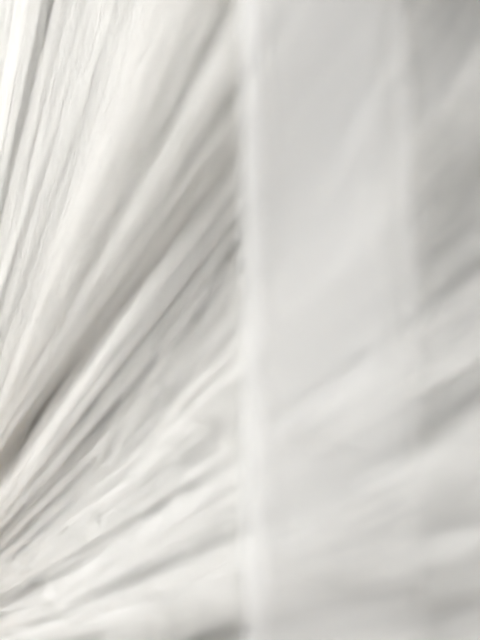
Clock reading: {"hour": 9, "minute": 54}
